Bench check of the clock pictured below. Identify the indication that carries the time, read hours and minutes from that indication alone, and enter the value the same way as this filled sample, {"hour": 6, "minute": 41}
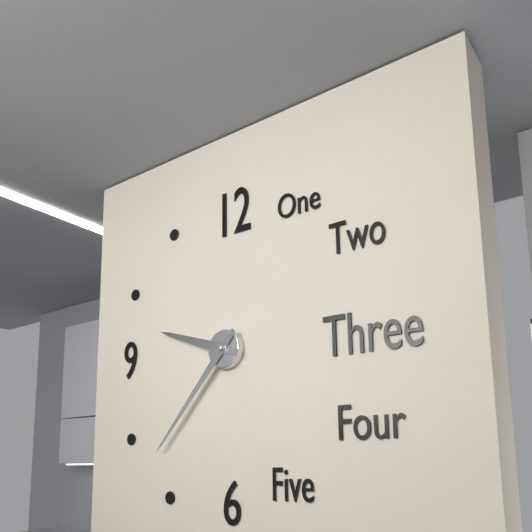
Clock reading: {"hour": 9, "minute": 37}
